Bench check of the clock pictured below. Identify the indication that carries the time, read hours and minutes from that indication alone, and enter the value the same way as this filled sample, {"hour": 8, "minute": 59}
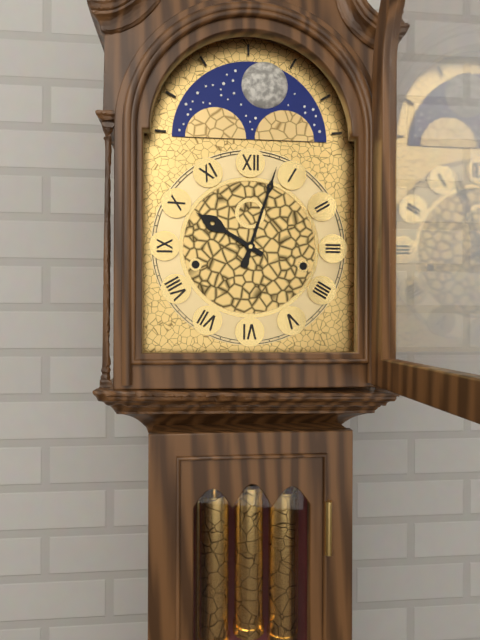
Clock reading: {"hour": 10, "minute": 3}
